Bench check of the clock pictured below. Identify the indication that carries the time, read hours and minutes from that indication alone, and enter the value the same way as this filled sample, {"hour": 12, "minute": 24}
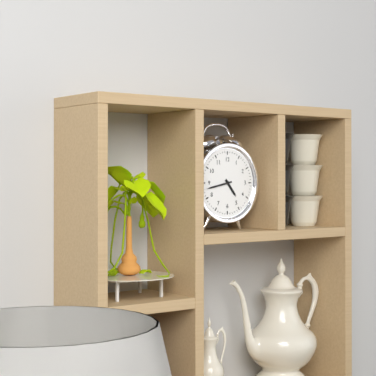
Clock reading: {"hour": 4, "minute": 43}
